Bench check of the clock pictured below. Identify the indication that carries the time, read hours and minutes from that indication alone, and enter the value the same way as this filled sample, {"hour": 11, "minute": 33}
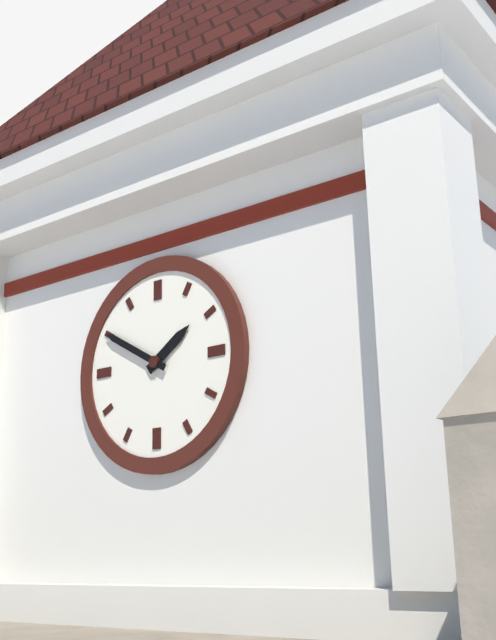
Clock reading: {"hour": 1, "minute": 50}
